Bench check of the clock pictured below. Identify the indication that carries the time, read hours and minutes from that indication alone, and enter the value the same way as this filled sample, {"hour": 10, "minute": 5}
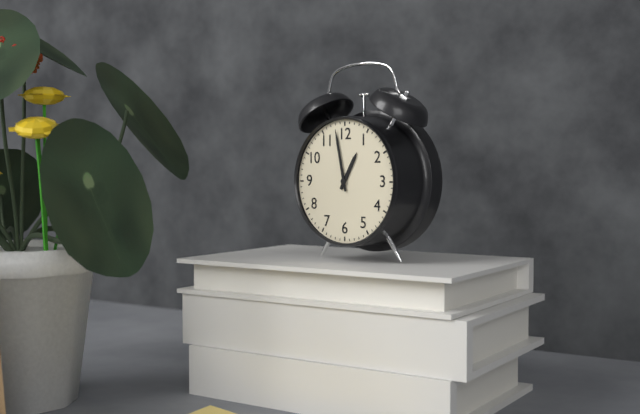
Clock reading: {"hour": 12, "minute": 58}
